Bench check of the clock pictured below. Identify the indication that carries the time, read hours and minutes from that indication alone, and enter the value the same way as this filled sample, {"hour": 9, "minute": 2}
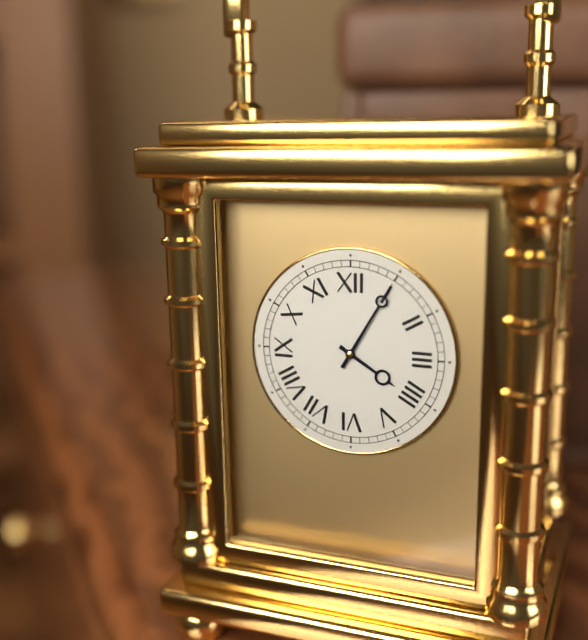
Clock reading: {"hour": 4, "minute": 5}
